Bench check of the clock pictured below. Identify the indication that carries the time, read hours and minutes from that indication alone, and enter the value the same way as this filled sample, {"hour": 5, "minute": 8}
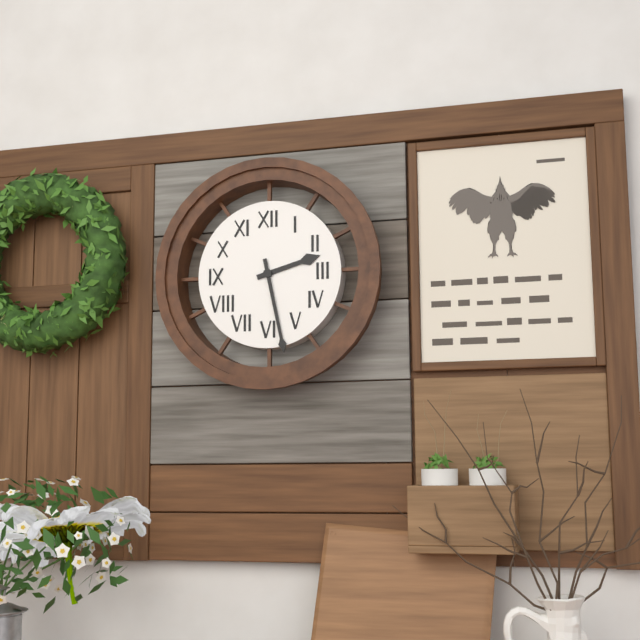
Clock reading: {"hour": 2, "minute": 28}
